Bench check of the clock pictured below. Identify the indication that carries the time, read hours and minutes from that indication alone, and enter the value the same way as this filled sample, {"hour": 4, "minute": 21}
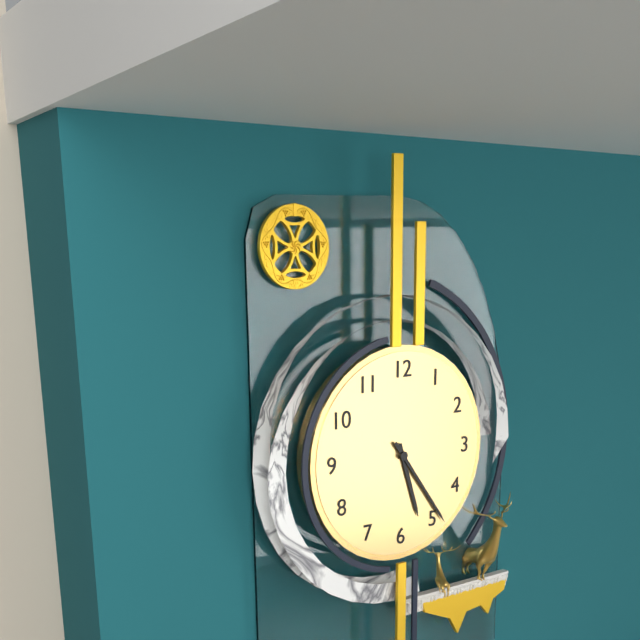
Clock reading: {"hour": 5, "minute": 24}
